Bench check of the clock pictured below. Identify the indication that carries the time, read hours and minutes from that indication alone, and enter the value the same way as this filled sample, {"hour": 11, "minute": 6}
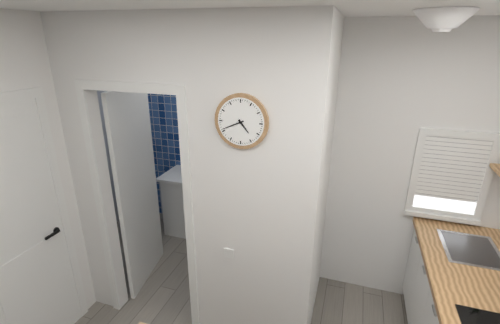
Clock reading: {"hour": 4, "minute": 41}
